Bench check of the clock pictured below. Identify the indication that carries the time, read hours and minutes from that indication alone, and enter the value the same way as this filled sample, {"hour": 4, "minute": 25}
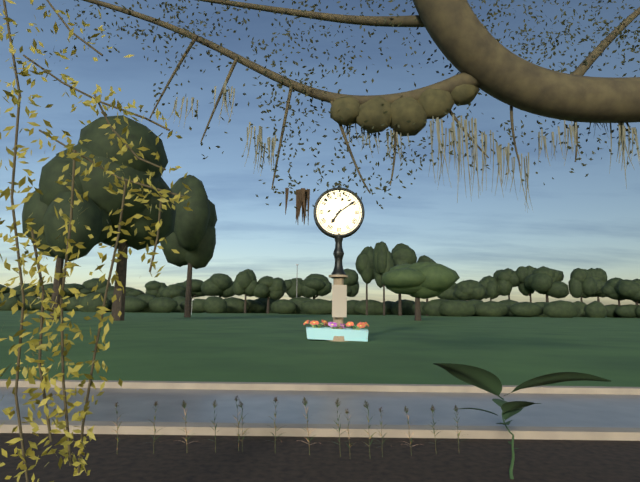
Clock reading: {"hour": 7, "minute": 9}
